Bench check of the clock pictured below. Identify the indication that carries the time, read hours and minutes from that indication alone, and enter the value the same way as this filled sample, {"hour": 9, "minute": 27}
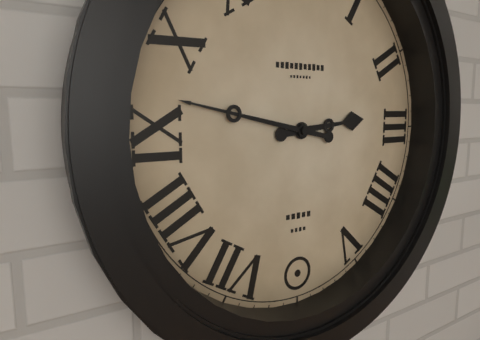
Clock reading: {"hour": 2, "minute": 47}
